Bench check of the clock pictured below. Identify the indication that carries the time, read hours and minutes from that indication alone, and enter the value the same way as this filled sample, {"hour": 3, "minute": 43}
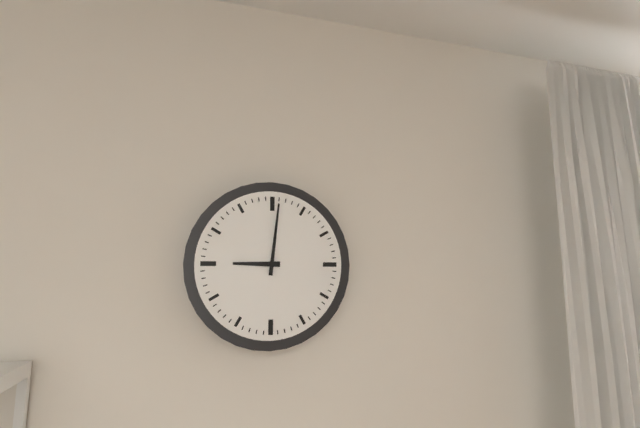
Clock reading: {"hour": 9, "minute": 1}
